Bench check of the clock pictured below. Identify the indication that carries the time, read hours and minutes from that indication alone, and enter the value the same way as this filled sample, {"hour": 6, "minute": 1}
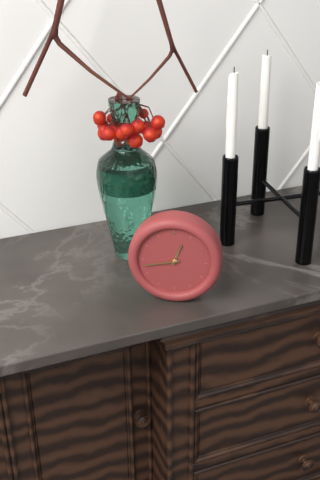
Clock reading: {"hour": 12, "minute": 43}
